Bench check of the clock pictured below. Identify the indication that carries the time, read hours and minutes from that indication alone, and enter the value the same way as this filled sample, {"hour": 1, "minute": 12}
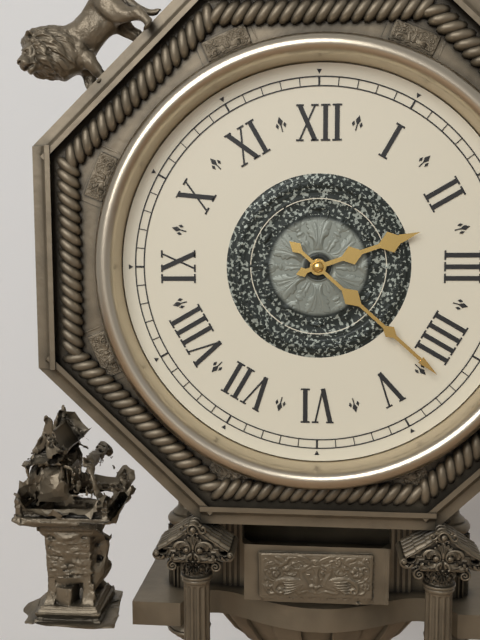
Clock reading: {"hour": 2, "minute": 22}
